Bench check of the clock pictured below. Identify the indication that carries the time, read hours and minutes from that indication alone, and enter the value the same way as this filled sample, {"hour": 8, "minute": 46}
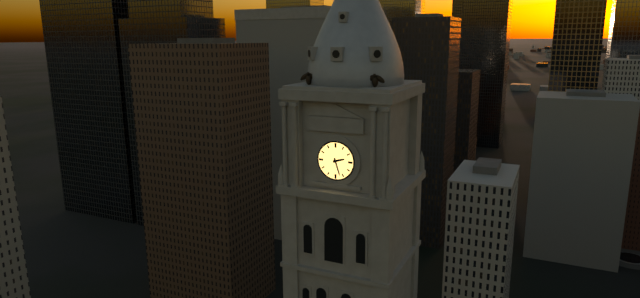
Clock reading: {"hour": 2, "minute": 27}
